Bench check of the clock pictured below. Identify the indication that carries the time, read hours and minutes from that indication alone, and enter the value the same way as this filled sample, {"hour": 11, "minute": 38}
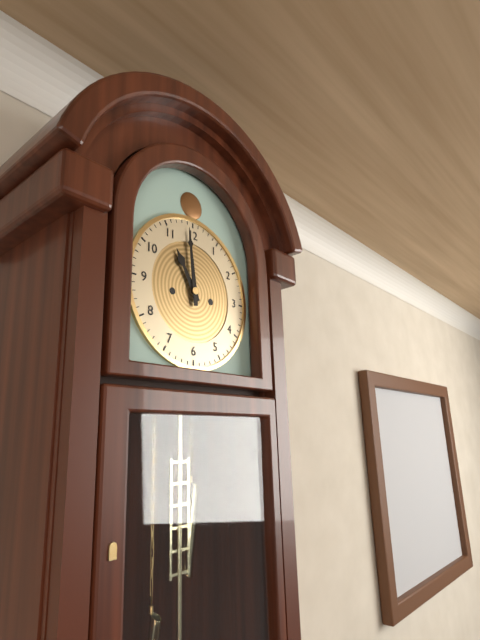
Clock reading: {"hour": 10, "minute": 59}
